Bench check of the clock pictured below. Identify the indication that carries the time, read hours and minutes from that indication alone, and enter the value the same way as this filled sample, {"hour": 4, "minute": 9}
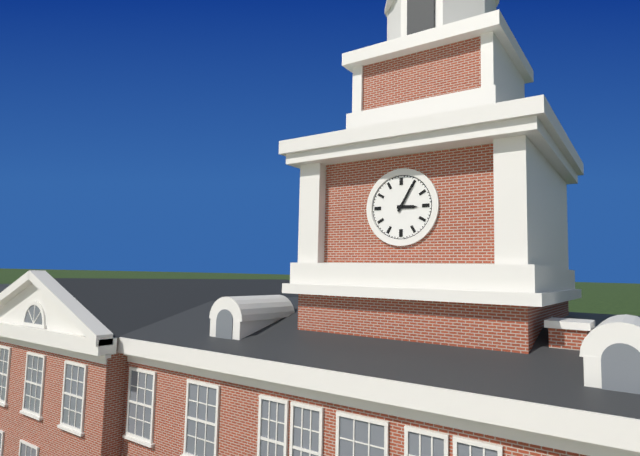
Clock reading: {"hour": 3, "minute": 5}
